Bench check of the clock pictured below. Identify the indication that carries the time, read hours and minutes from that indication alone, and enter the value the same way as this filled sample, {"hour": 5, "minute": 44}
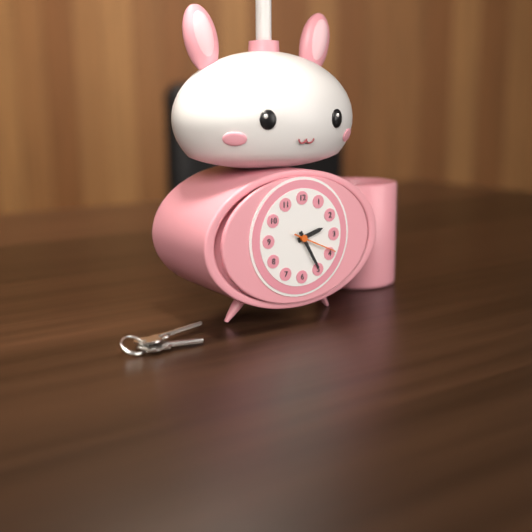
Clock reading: {"hour": 2, "minute": 25}
